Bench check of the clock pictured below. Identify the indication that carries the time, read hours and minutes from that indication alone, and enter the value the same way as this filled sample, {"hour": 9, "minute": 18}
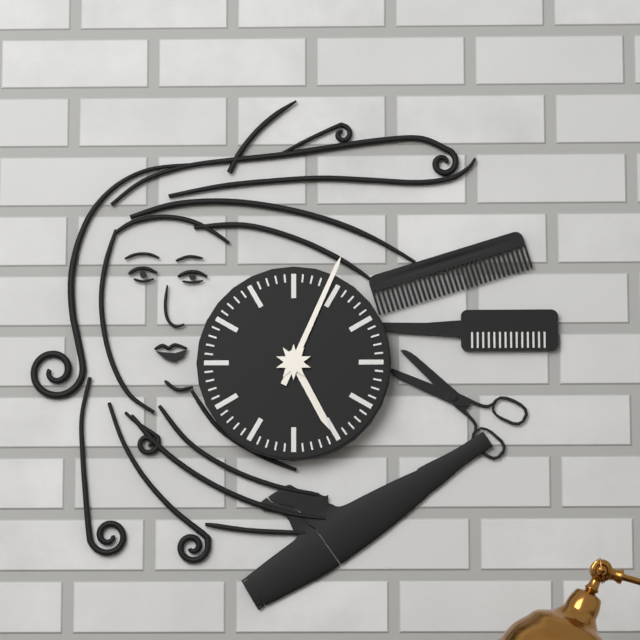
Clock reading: {"hour": 5, "minute": 4}
